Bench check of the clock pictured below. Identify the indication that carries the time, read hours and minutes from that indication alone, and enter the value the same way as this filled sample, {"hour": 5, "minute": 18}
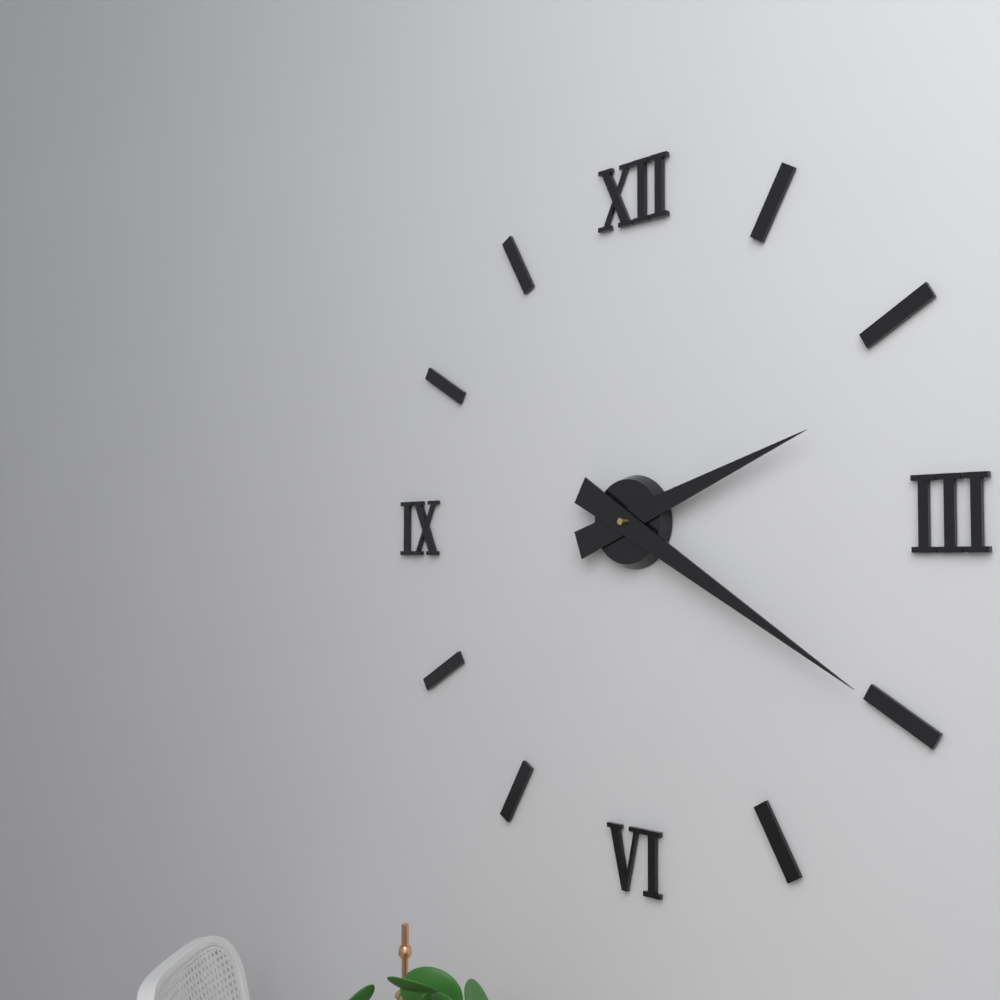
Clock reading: {"hour": 2, "minute": 20}
